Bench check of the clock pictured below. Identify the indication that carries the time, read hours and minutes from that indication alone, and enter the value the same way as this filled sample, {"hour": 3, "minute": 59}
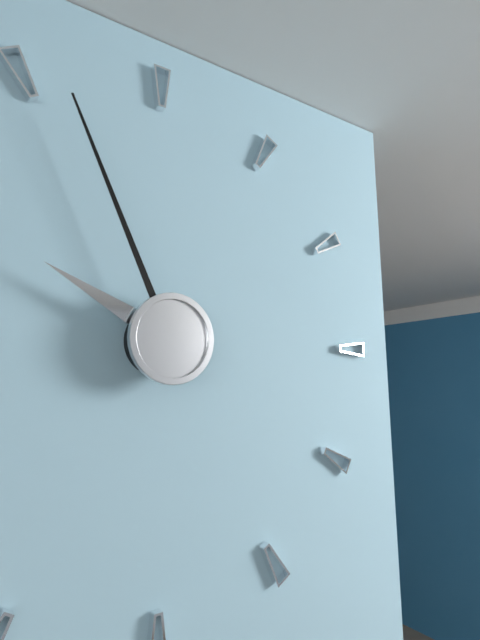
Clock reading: {"hour": 9, "minute": 56}
